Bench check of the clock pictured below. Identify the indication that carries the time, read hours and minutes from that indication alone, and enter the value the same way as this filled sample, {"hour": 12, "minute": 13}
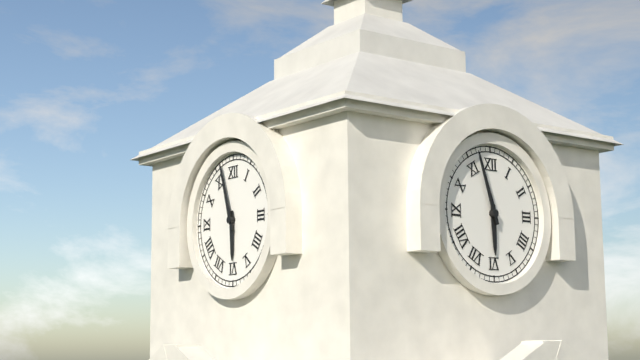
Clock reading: {"hour": 5, "minute": 57}
